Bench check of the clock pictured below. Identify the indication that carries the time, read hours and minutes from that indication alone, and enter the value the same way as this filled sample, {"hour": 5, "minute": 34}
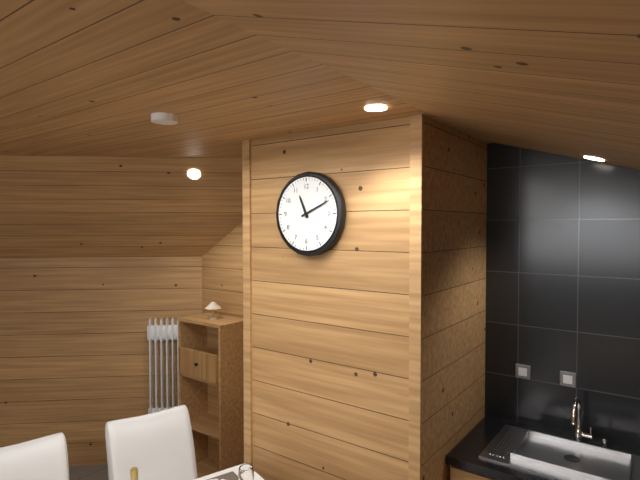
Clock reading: {"hour": 11, "minute": 11}
